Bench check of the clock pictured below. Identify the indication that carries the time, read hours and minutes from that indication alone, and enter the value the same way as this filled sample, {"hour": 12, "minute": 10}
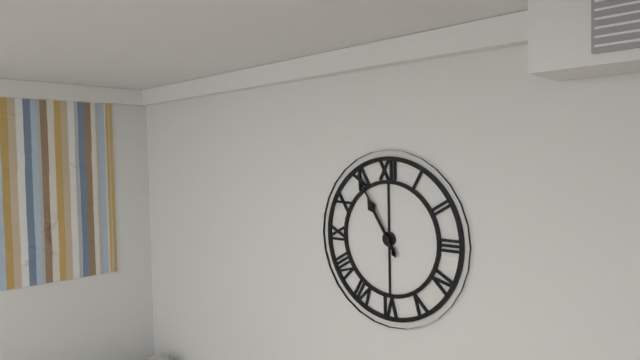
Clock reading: {"hour": 10, "minute": 55}
